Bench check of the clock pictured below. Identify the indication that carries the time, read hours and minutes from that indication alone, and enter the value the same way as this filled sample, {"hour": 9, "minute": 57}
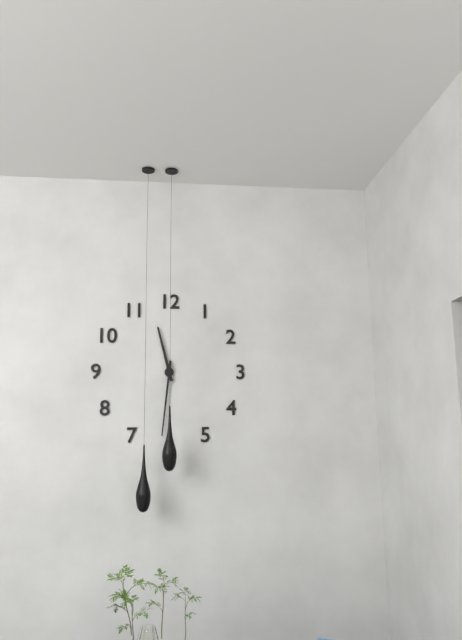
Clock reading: {"hour": 11, "minute": 31}
